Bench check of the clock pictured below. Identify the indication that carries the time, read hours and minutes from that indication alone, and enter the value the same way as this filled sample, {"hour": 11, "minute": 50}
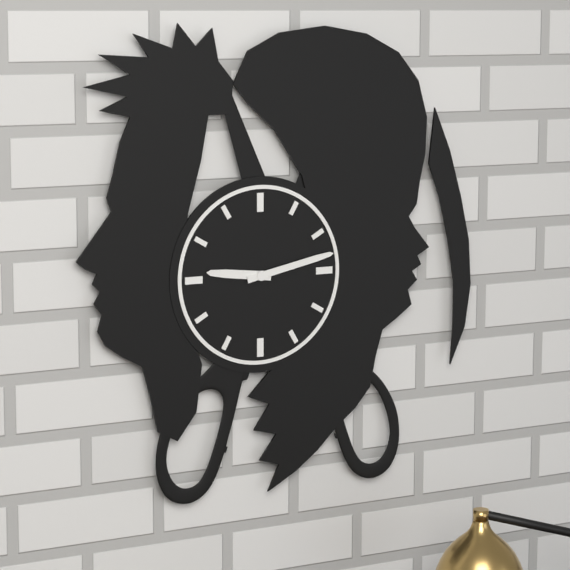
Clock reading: {"hour": 9, "minute": 13}
